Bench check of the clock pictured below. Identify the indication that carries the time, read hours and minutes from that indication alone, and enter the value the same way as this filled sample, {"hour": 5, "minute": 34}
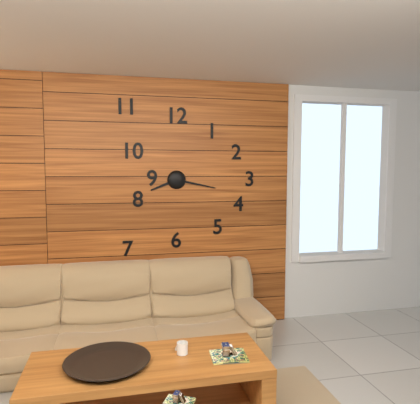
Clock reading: {"hour": 8, "minute": 17}
